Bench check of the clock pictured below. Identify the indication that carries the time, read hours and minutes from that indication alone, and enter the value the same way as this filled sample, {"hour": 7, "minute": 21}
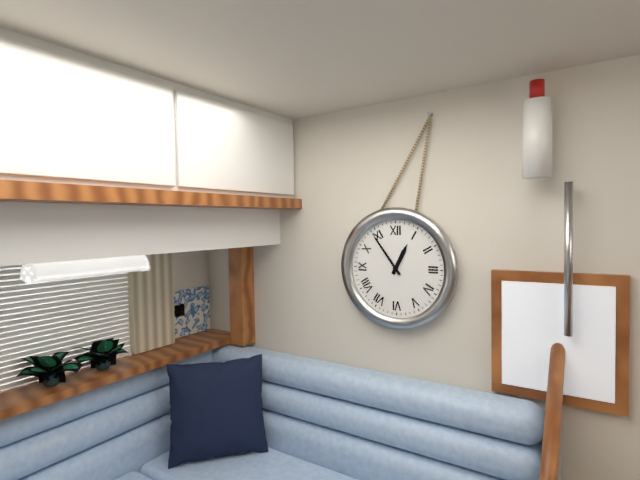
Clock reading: {"hour": 12, "minute": 54}
